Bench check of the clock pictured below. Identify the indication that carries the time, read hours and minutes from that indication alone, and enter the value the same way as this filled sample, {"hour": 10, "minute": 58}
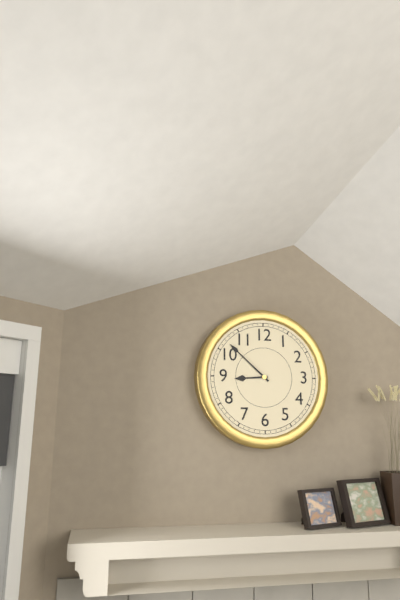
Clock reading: {"hour": 8, "minute": 52}
